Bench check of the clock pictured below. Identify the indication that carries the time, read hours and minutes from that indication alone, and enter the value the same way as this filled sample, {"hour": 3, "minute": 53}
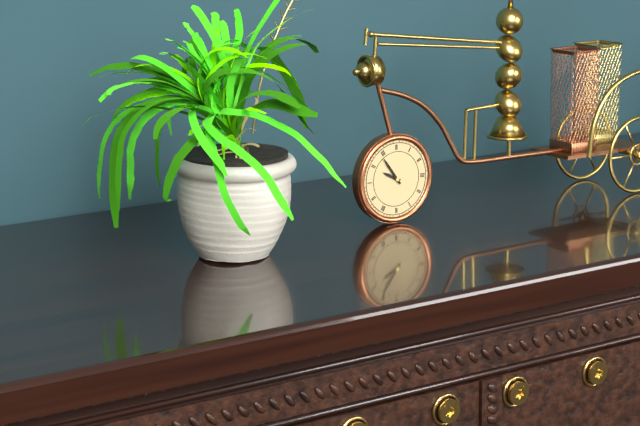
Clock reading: {"hour": 9, "minute": 54}
